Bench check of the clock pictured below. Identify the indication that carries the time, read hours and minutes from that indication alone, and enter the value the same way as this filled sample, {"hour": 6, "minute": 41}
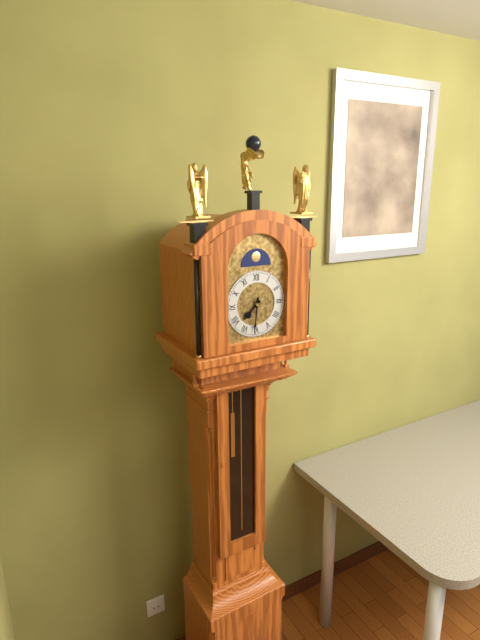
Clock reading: {"hour": 7, "minute": 31}
